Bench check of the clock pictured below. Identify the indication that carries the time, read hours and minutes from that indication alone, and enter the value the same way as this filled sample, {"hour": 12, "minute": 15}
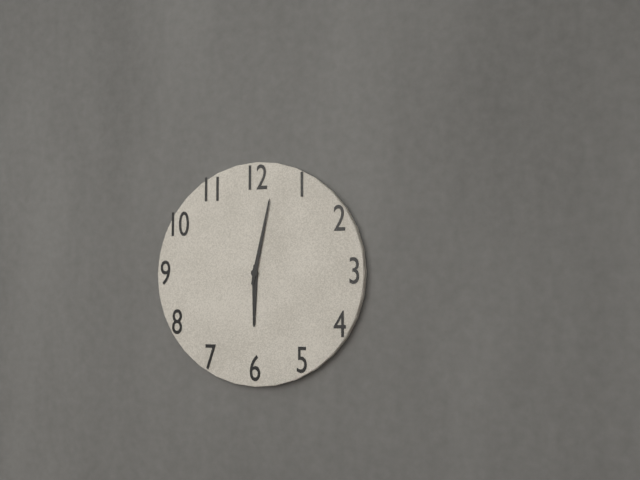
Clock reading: {"hour": 6, "minute": 2}
